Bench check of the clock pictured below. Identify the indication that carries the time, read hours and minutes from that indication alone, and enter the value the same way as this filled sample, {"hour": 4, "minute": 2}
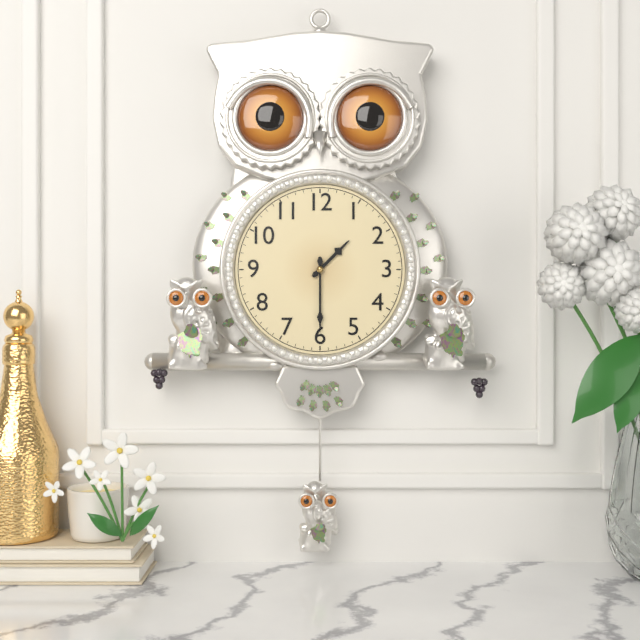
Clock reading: {"hour": 1, "minute": 30}
